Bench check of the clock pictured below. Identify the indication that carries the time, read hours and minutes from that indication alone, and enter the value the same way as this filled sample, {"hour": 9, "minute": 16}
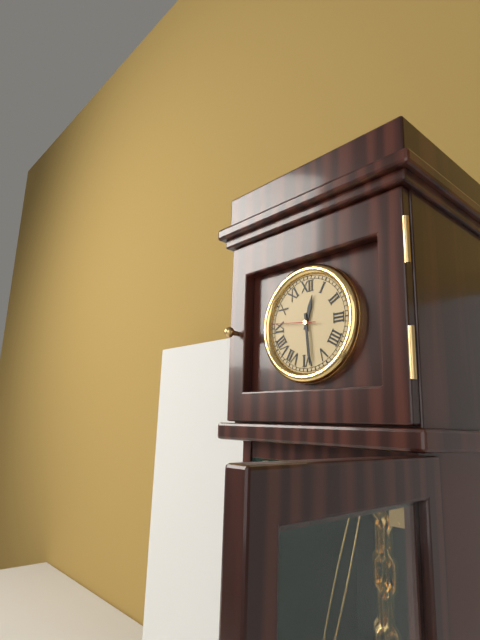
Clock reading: {"hour": 12, "minute": 29}
